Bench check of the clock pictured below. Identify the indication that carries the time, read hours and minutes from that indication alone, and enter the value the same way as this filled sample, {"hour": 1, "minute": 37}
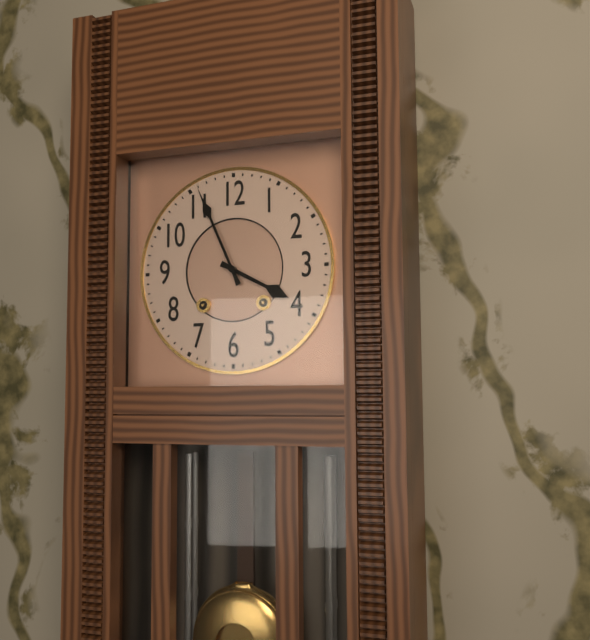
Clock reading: {"hour": 3, "minute": 56}
